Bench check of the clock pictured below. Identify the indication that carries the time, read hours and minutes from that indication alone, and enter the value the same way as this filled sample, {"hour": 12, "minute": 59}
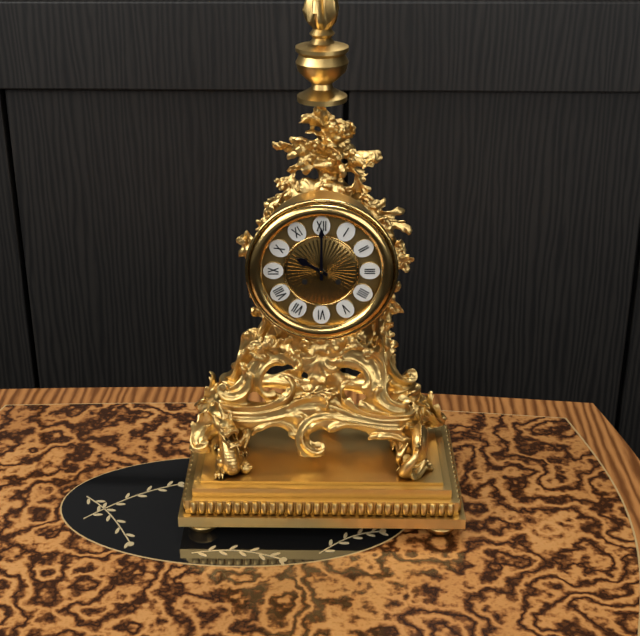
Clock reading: {"hour": 10, "minute": 0}
